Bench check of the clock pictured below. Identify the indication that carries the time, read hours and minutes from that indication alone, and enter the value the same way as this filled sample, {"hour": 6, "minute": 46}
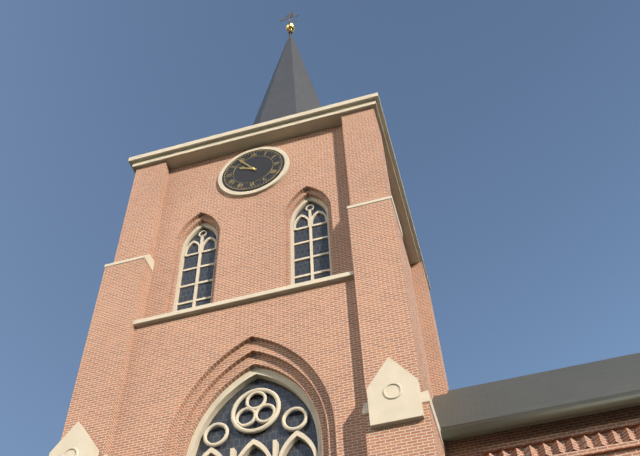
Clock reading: {"hour": 9, "minute": 54}
